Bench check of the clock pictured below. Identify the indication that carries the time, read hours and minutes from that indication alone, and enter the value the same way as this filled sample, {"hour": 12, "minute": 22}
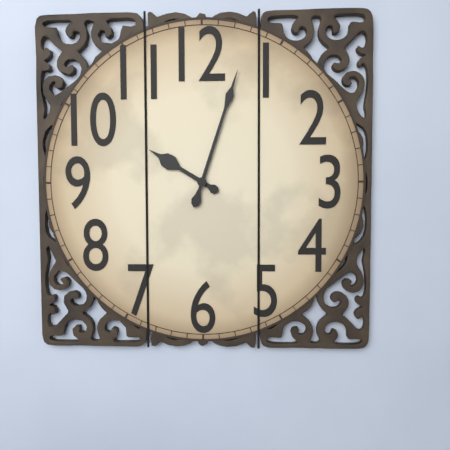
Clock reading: {"hour": 10, "minute": 3}
